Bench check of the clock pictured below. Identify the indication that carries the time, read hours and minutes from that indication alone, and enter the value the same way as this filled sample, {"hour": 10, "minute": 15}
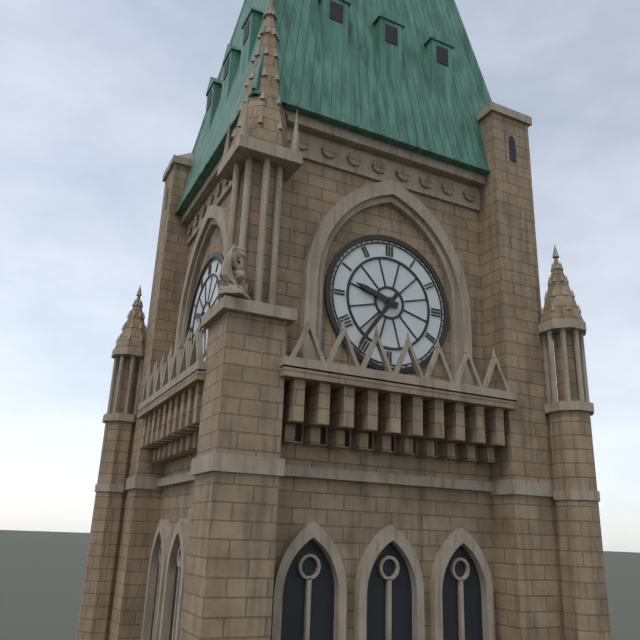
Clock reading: {"hour": 9, "minute": 36}
